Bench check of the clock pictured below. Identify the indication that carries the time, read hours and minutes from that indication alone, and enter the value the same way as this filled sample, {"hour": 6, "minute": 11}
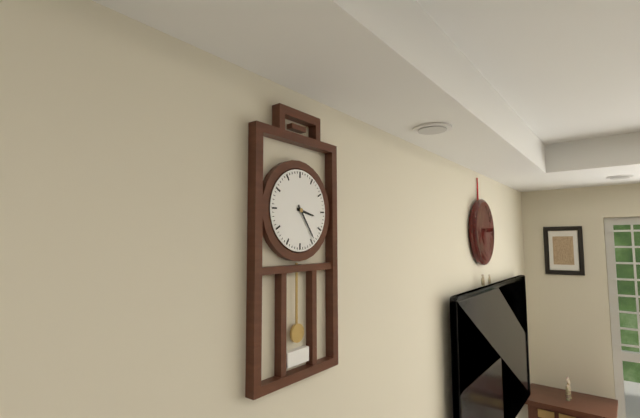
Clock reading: {"hour": 3, "minute": 24}
